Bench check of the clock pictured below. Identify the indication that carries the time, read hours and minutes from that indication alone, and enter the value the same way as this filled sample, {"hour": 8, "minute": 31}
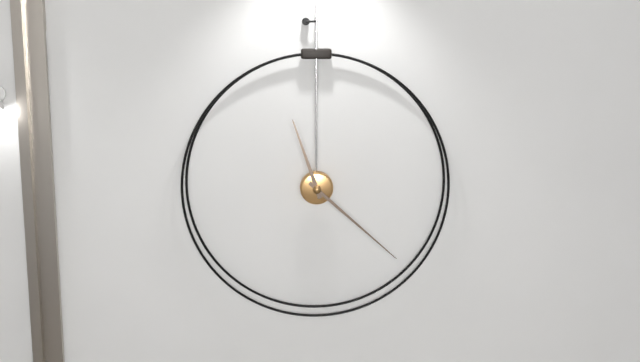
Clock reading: {"hour": 11, "minute": 22}
